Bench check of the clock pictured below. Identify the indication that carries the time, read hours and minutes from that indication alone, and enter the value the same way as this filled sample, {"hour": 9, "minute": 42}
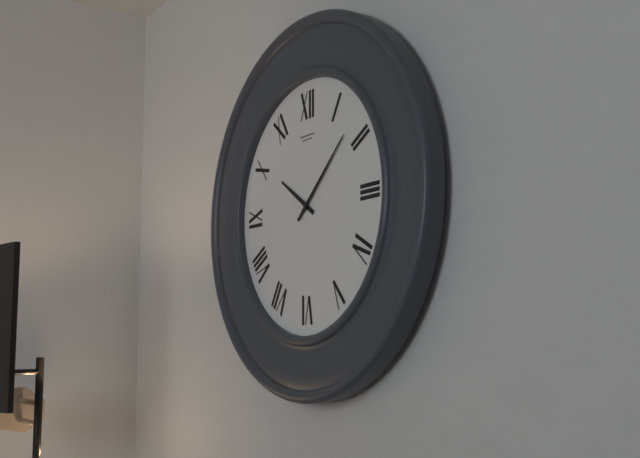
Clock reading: {"hour": 10, "minute": 8}
